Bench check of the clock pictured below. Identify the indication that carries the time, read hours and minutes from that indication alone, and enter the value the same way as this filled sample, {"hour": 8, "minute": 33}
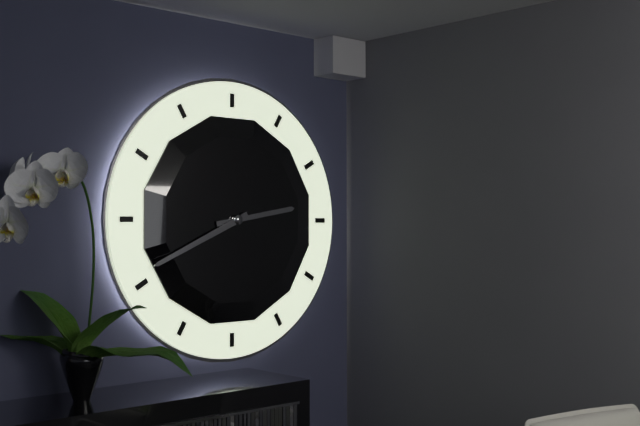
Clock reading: {"hour": 2, "minute": 41}
